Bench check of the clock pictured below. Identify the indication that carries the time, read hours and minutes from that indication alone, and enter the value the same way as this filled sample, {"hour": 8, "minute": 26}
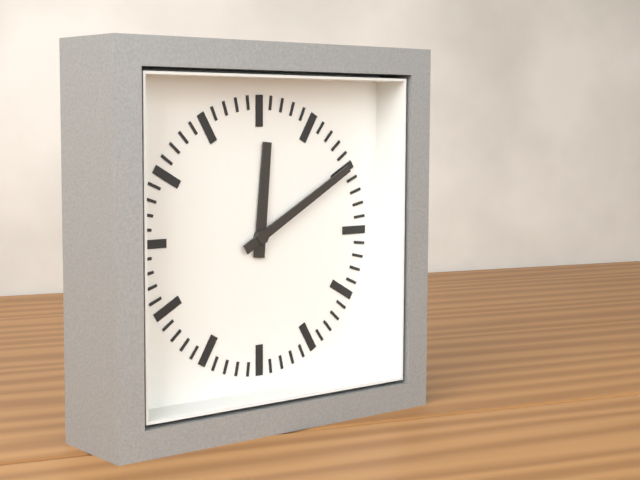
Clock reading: {"hour": 12, "minute": 10}
